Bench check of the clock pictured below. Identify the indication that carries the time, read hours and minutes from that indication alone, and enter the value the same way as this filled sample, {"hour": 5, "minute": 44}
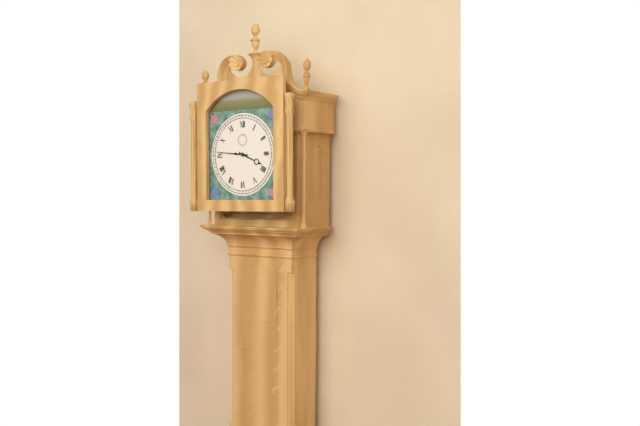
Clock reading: {"hour": 3, "minute": 46}
